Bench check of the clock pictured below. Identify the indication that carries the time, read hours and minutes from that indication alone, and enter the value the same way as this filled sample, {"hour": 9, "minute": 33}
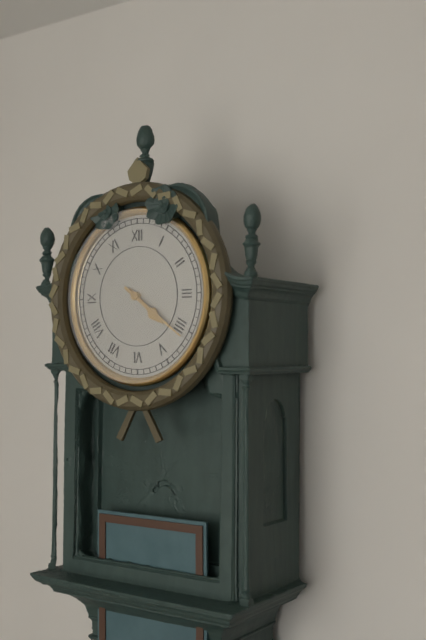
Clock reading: {"hour": 4, "minute": 21}
